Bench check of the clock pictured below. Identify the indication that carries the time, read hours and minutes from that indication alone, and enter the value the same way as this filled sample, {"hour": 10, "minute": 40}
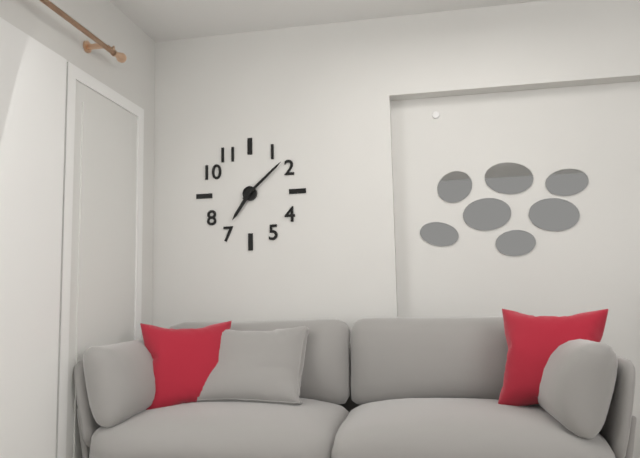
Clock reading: {"hour": 7, "minute": 8}
